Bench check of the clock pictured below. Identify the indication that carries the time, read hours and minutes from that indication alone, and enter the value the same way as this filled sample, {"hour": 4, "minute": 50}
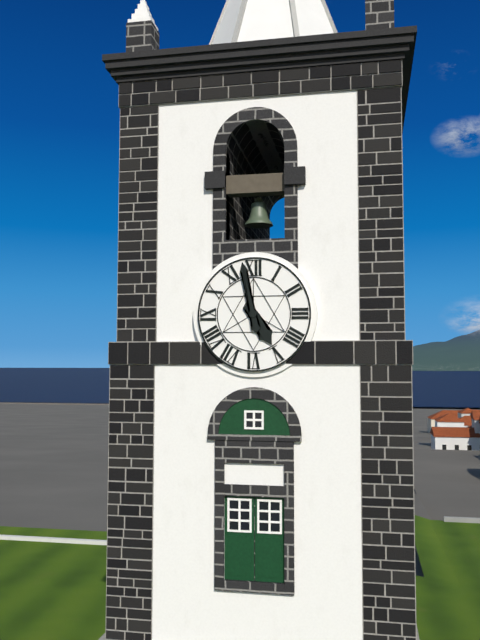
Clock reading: {"hour": 4, "minute": 58}
